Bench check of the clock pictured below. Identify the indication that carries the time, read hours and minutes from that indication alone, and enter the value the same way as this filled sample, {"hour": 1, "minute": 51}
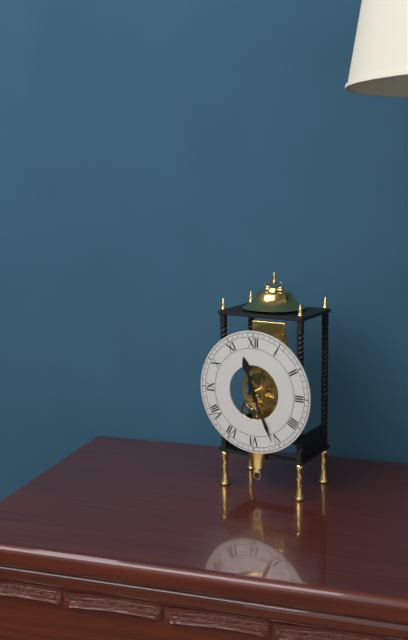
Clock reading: {"hour": 11, "minute": 26}
